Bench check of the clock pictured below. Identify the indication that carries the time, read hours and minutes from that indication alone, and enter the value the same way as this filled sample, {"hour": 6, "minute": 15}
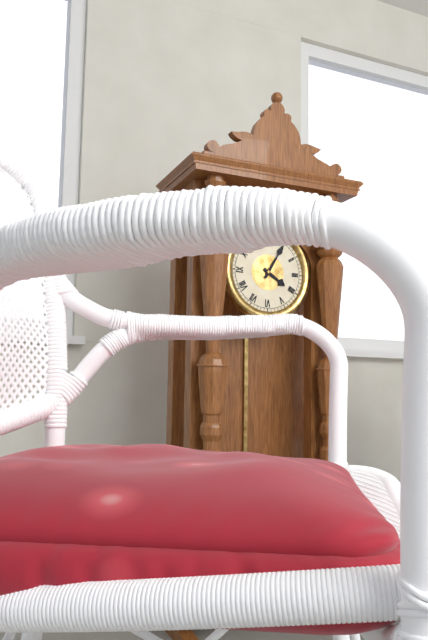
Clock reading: {"hour": 4, "minute": 5}
